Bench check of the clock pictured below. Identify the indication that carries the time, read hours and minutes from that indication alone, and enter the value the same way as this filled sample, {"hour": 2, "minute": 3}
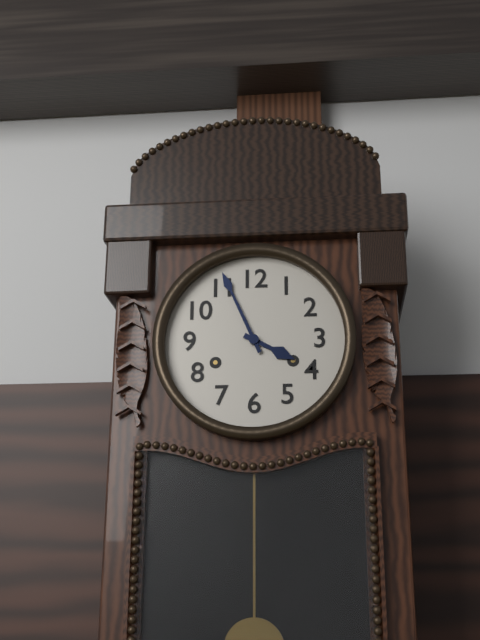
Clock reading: {"hour": 3, "minute": 56}
